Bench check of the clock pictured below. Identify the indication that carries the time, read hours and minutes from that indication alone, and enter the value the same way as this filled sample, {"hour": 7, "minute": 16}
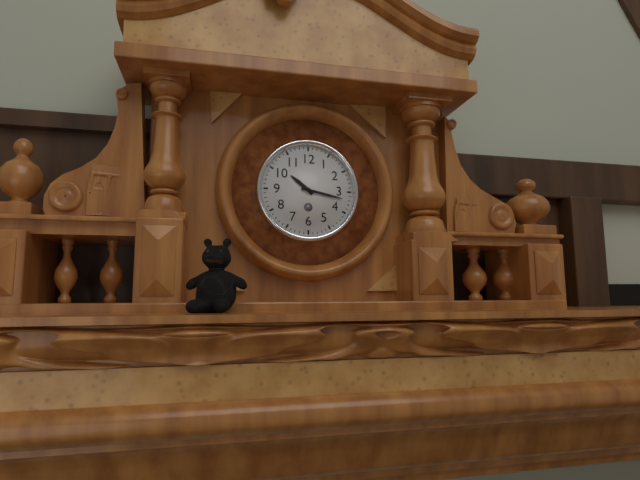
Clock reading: {"hour": 10, "minute": 17}
